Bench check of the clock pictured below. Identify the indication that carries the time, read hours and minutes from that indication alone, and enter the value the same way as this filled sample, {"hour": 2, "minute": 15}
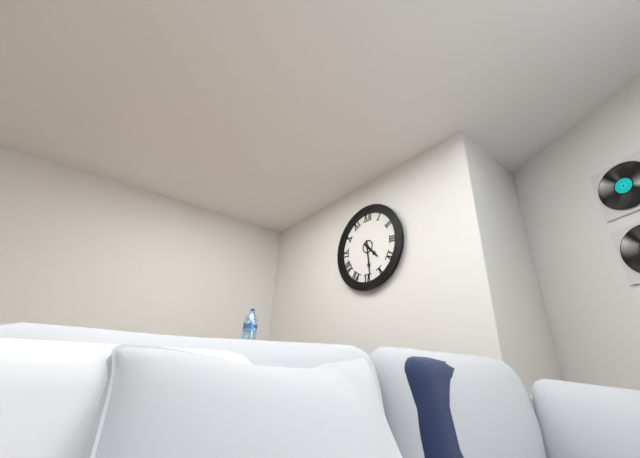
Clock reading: {"hour": 4, "minute": 29}
